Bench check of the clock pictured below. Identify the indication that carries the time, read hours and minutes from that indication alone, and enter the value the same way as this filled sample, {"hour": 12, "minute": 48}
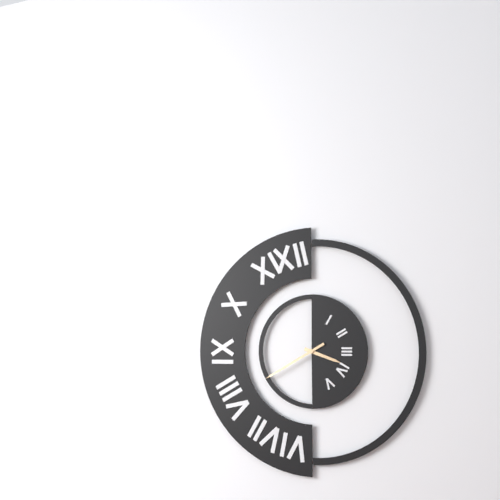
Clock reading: {"hour": 3, "minute": 40}
